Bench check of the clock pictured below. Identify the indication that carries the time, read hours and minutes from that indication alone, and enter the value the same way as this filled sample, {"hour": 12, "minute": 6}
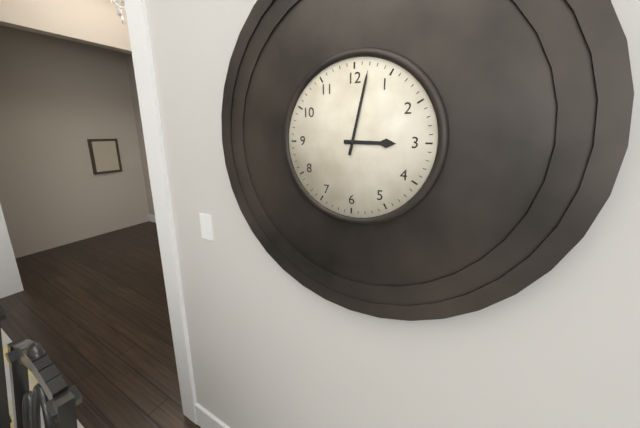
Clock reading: {"hour": 3, "minute": 2}
